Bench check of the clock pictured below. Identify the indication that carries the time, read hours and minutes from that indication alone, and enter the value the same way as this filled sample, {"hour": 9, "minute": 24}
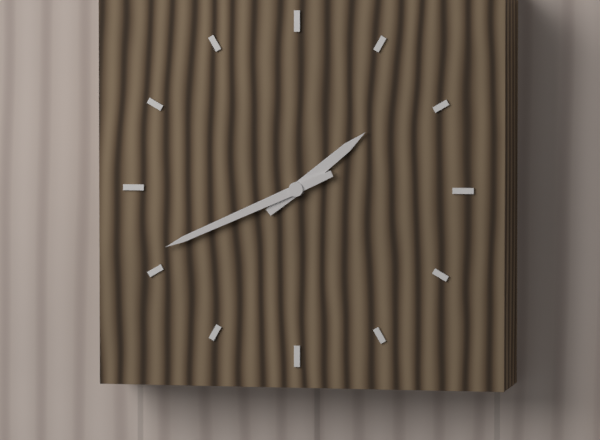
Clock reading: {"hour": 1, "minute": 41}
